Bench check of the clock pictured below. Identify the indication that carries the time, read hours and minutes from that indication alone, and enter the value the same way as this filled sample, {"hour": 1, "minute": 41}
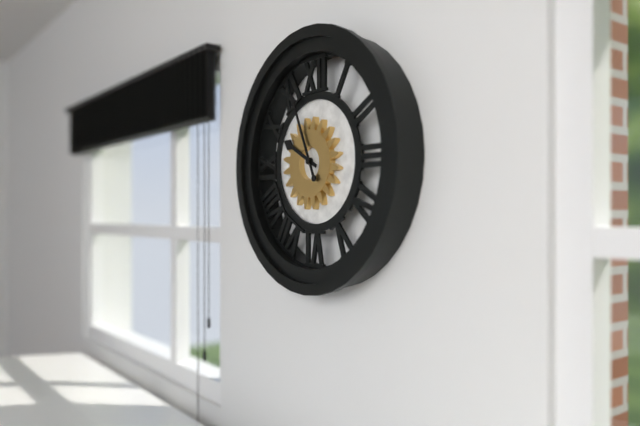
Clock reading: {"hour": 9, "minute": 56}
